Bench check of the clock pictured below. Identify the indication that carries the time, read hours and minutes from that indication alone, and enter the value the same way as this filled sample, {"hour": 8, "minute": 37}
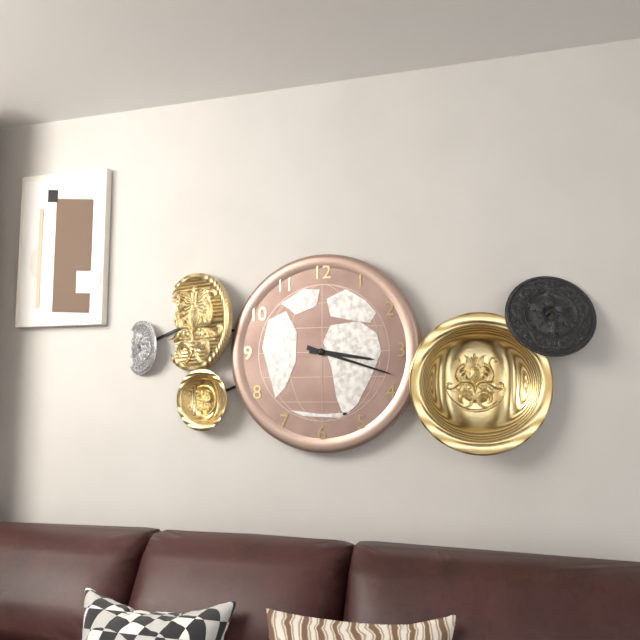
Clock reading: {"hour": 3, "minute": 18}
